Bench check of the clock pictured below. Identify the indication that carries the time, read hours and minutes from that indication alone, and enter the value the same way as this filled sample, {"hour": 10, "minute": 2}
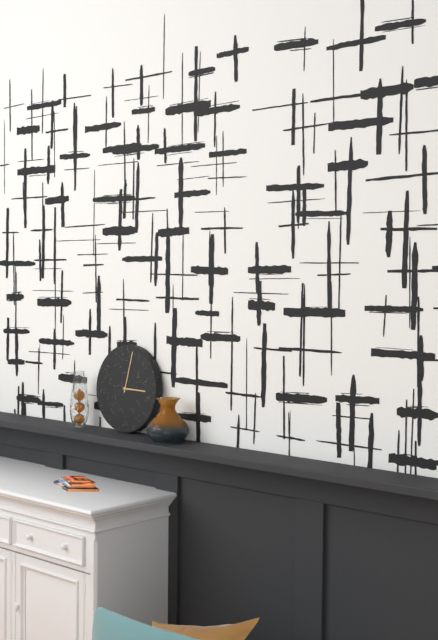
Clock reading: {"hour": 3, "minute": 2}
